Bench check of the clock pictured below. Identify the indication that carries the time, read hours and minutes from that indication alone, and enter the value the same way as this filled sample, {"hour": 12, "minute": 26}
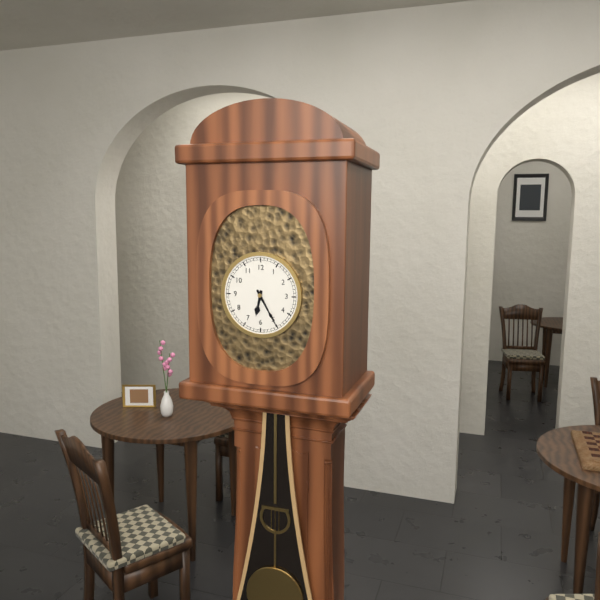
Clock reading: {"hour": 6, "minute": 25}
